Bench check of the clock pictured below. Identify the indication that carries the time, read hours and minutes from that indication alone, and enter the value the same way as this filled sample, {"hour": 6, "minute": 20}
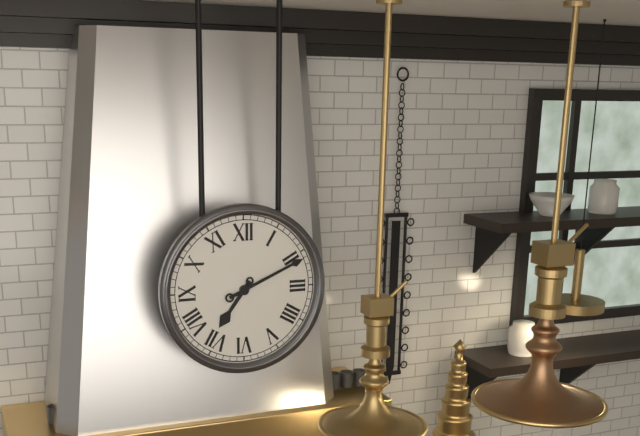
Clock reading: {"hour": 7, "minute": 11}
